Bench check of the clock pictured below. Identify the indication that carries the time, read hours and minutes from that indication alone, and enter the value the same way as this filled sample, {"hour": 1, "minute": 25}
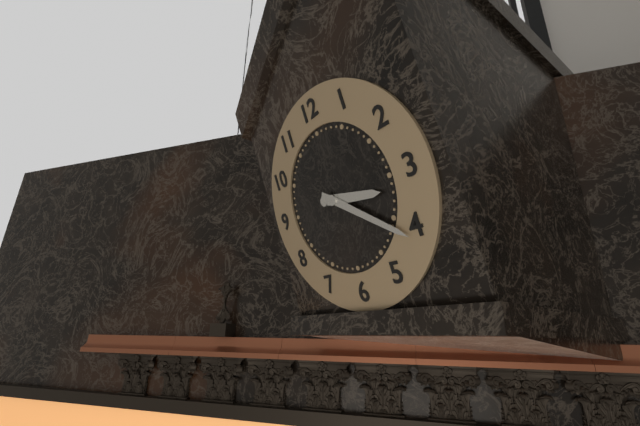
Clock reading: {"hour": 3, "minute": 21}
